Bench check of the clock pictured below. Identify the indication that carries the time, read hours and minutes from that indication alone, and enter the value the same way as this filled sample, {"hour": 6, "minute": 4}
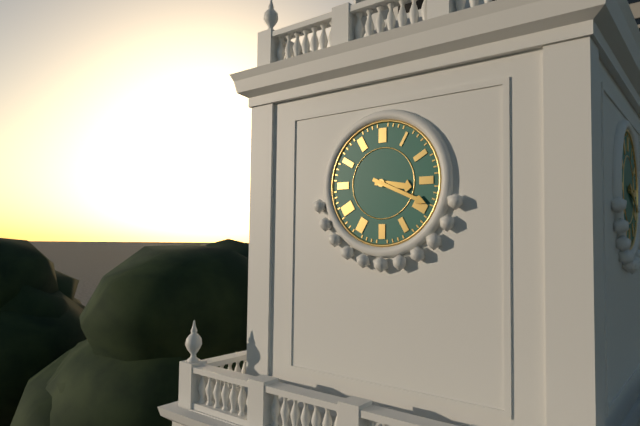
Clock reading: {"hour": 3, "minute": 19}
